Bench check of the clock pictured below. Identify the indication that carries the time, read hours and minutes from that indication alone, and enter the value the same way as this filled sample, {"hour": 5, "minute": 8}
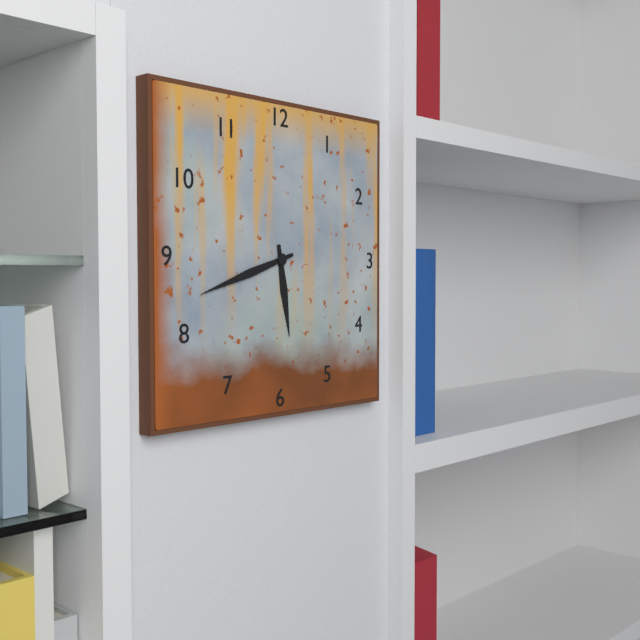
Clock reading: {"hour": 5, "minute": 42}
